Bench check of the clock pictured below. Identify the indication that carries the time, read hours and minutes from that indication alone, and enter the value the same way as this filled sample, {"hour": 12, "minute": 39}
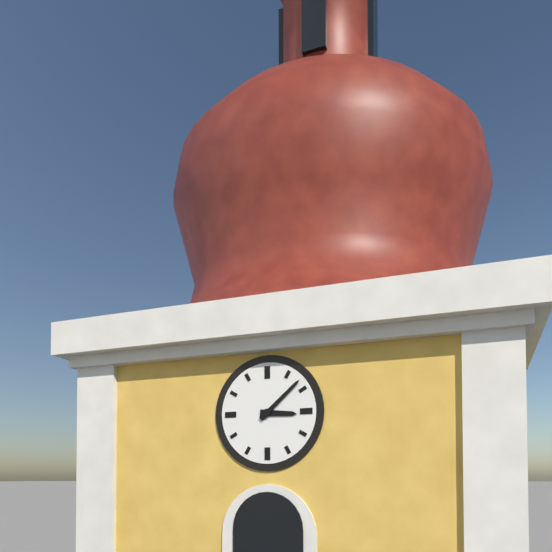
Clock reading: {"hour": 3, "minute": 8}
